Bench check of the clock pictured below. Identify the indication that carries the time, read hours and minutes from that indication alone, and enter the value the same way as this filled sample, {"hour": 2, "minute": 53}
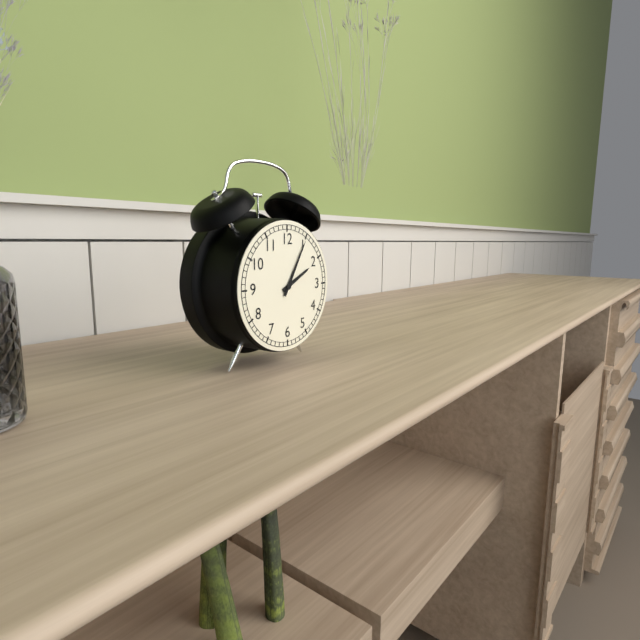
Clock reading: {"hour": 2, "minute": 5}
